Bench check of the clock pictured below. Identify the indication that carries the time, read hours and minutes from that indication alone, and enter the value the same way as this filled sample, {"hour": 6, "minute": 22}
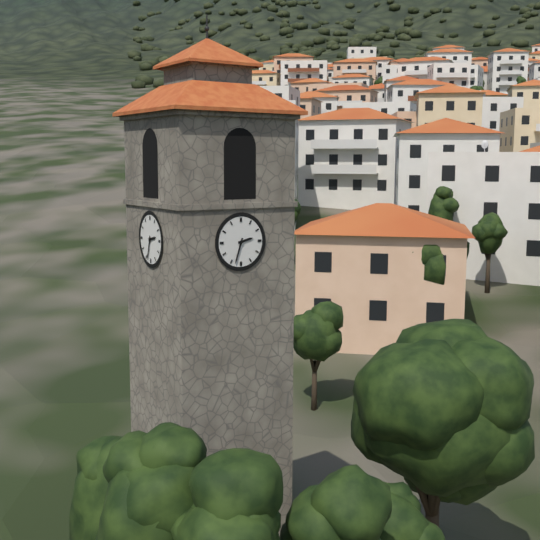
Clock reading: {"hour": 2, "minute": 33}
